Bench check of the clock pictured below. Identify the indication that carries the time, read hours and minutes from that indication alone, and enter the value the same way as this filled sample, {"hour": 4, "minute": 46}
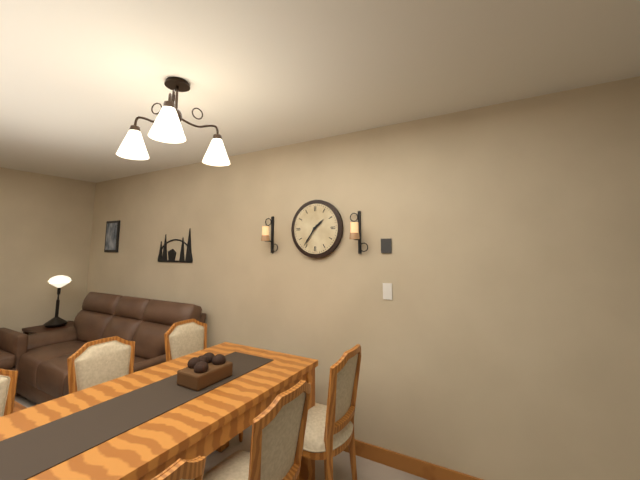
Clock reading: {"hour": 1, "minute": 36}
